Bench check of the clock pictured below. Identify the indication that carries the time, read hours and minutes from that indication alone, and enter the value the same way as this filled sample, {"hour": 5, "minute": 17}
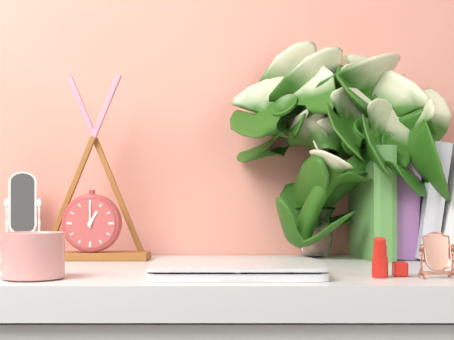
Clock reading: {"hour": 1, "minute": 0}
